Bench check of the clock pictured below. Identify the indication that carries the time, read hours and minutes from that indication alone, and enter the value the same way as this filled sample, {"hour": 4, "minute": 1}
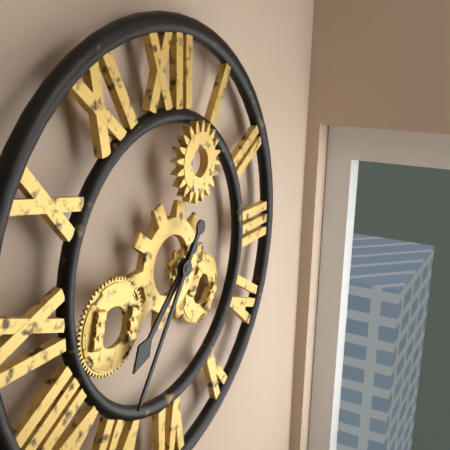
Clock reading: {"hour": 7, "minute": 36}
